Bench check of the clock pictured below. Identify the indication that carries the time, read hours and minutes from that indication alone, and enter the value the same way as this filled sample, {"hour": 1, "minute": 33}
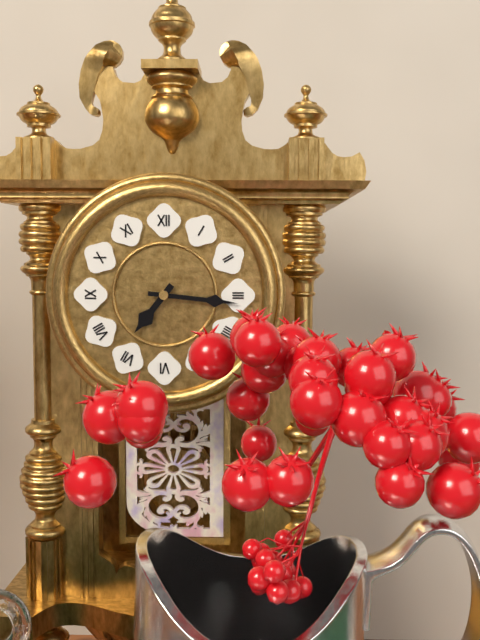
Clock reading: {"hour": 7, "minute": 16}
